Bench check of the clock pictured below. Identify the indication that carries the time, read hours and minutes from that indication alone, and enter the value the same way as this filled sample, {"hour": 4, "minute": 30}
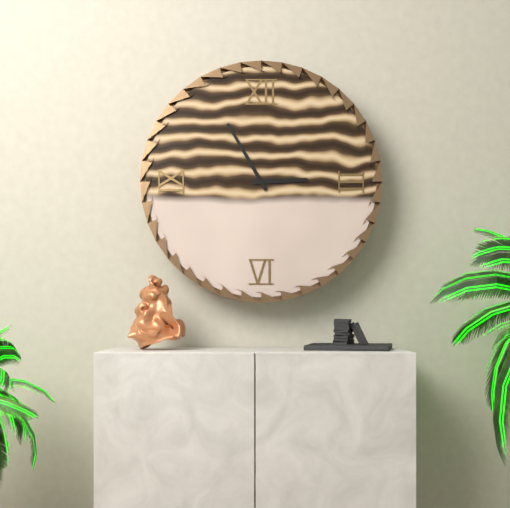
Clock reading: {"hour": 2, "minute": 55}
